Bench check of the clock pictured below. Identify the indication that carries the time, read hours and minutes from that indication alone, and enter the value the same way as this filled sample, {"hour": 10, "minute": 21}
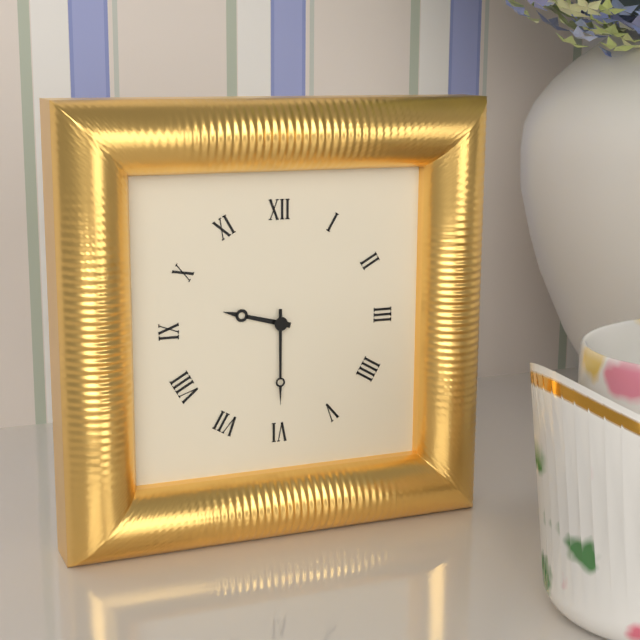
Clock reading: {"hour": 9, "minute": 30}
